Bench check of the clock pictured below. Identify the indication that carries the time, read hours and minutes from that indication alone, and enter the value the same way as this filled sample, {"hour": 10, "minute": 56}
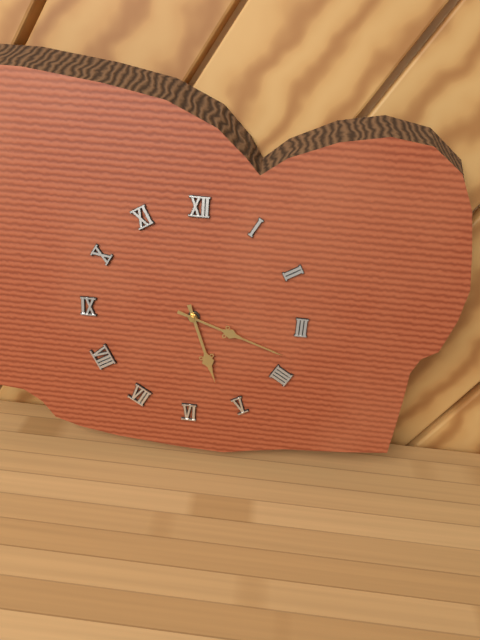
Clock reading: {"hour": 5, "minute": 18}
